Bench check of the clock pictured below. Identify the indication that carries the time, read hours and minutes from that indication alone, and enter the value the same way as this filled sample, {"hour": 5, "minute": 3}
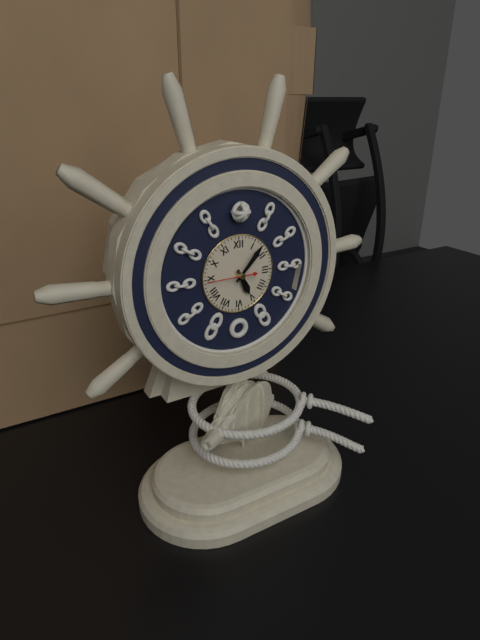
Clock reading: {"hour": 5, "minute": 7}
